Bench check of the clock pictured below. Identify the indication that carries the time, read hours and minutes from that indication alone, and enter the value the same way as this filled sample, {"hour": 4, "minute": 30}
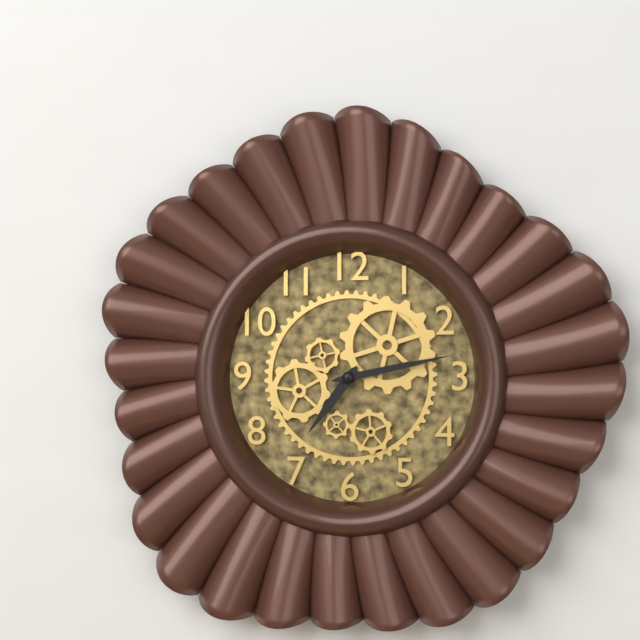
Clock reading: {"hour": 7, "minute": 13}
